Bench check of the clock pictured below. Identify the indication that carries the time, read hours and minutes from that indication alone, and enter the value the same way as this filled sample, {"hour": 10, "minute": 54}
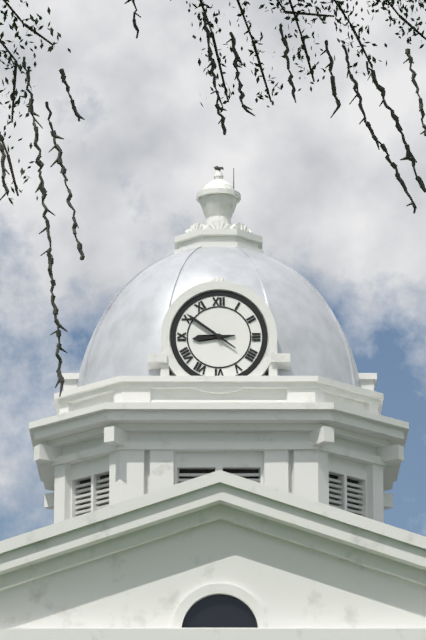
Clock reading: {"hour": 8, "minute": 51}
